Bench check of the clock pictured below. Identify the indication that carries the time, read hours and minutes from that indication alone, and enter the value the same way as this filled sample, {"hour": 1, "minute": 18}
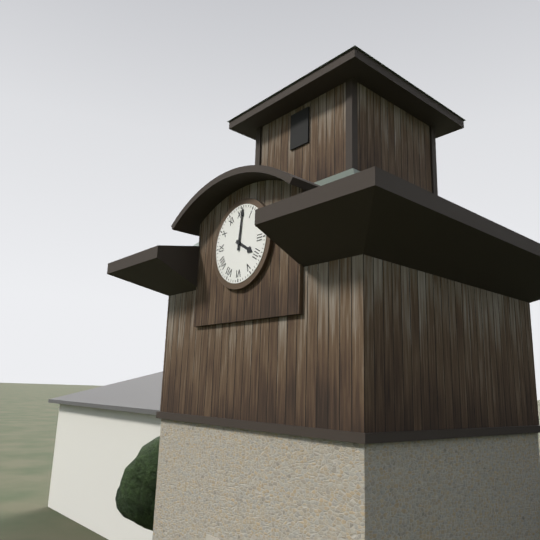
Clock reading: {"hour": 4, "minute": 1}
